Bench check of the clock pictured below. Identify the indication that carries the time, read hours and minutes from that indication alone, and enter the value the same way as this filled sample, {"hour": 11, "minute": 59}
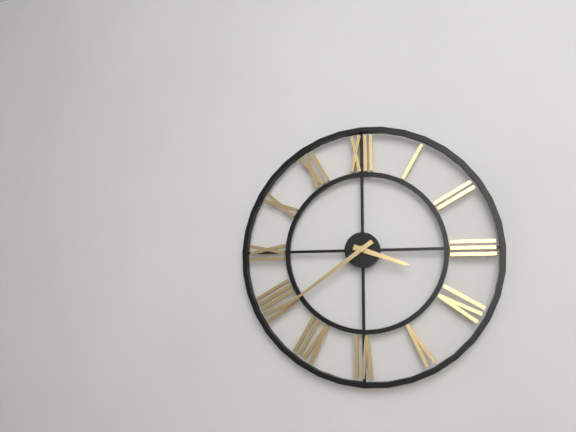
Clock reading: {"hour": 3, "minute": 39}
